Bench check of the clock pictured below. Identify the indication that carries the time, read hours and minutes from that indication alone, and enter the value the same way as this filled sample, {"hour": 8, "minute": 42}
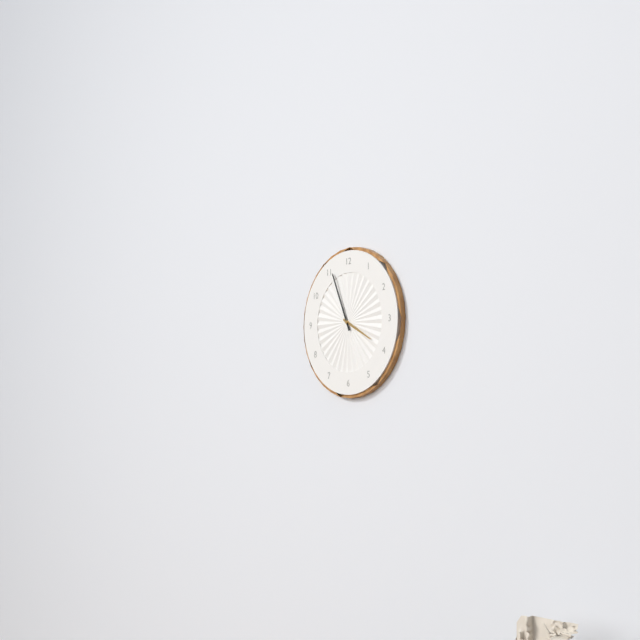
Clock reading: {"hour": 3, "minute": 56}
